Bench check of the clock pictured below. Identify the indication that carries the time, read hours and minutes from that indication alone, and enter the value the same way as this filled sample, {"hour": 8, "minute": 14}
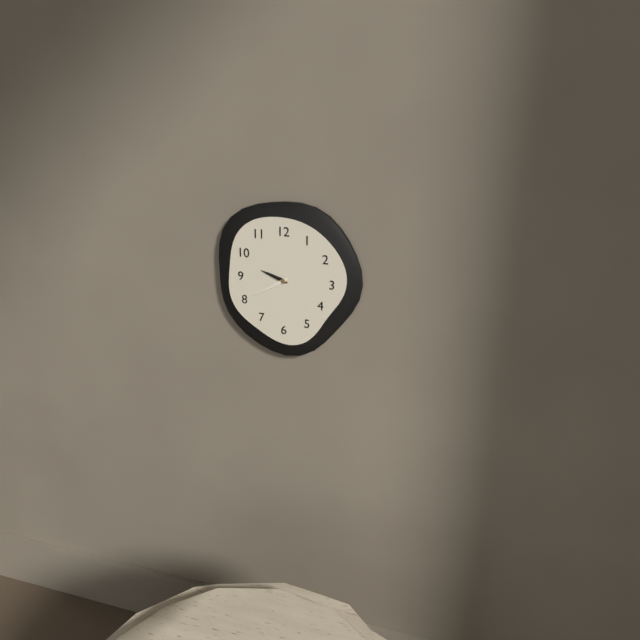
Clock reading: {"hour": 9, "minute": 40}
